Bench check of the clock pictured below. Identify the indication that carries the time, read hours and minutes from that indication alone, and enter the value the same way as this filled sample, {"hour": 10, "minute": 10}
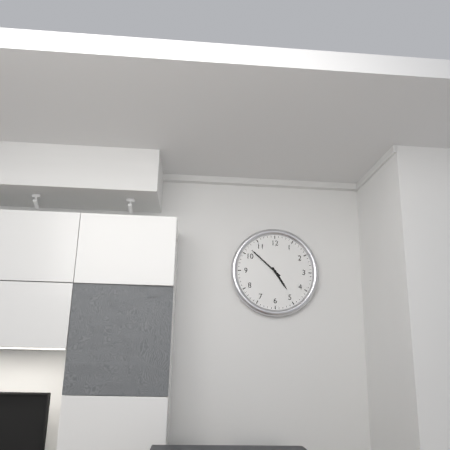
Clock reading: {"hour": 4, "minute": 52}
